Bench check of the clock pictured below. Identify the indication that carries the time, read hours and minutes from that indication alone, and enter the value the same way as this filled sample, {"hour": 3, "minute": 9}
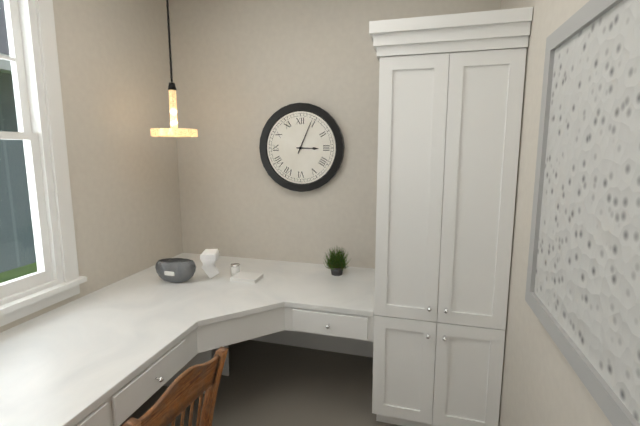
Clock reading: {"hour": 3, "minute": 4}
